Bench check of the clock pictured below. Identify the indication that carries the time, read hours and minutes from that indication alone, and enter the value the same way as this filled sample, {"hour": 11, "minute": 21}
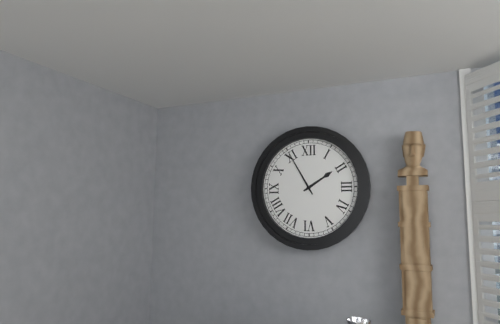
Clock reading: {"hour": 1, "minute": 55}
